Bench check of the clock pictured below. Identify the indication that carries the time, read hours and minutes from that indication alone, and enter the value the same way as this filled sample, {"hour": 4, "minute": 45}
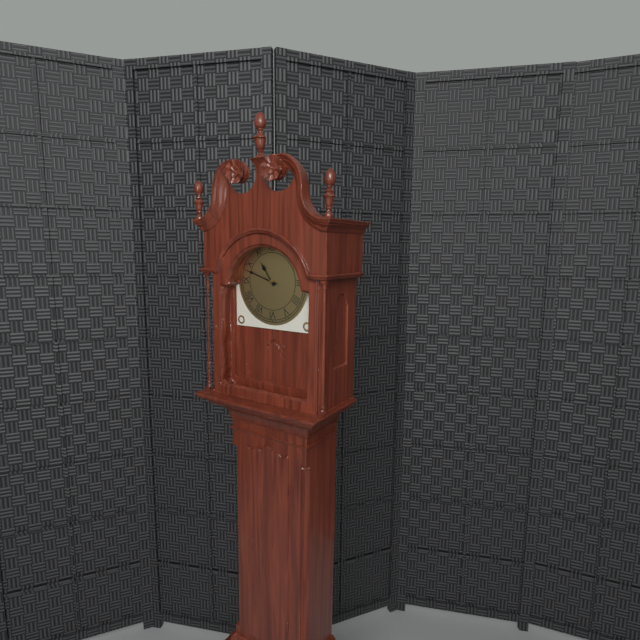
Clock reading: {"hour": 10, "minute": 48}
